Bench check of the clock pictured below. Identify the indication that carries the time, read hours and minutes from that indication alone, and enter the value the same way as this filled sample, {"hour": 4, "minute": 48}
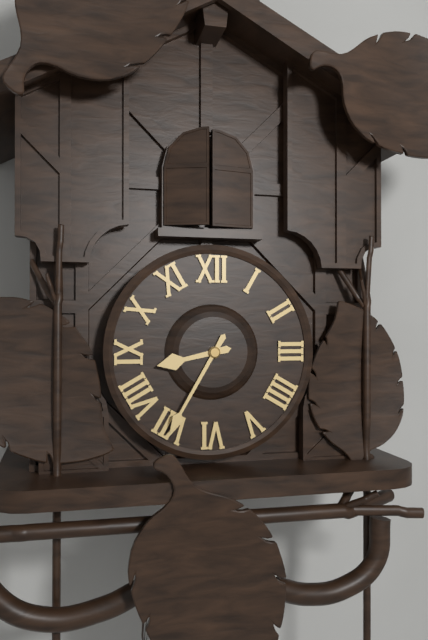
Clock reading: {"hour": 8, "minute": 35}
